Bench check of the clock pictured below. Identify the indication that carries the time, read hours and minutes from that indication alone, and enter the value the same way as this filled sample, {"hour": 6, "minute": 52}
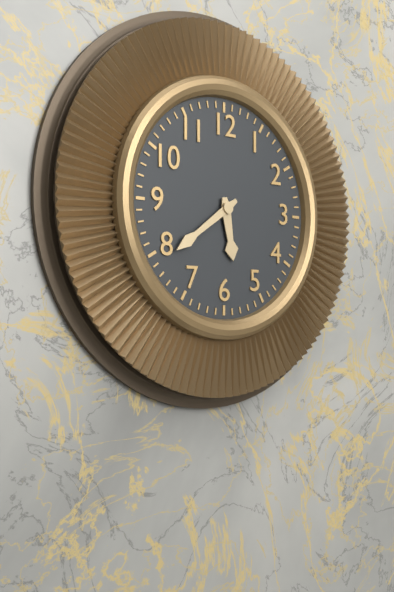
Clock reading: {"hour": 5, "minute": 39}
